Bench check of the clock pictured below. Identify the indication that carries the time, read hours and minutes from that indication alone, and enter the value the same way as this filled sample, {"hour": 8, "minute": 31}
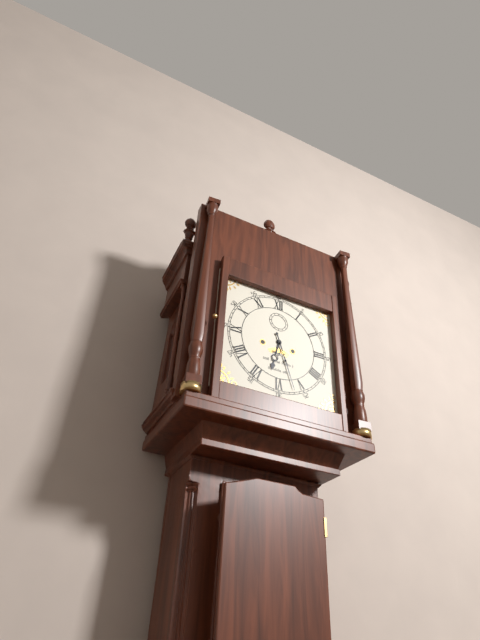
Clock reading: {"hour": 6, "minute": 27}
